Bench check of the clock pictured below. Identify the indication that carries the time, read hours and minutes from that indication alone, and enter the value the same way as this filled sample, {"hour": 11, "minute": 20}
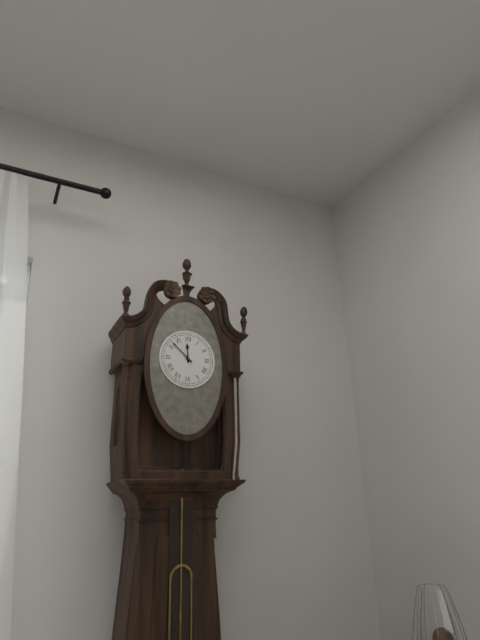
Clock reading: {"hour": 11, "minute": 52}
